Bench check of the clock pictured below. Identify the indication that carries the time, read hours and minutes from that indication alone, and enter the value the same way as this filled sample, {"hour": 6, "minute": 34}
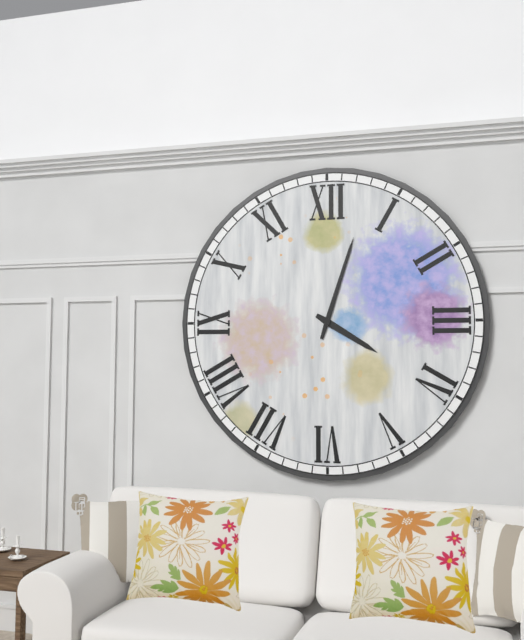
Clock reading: {"hour": 4, "minute": 3}
